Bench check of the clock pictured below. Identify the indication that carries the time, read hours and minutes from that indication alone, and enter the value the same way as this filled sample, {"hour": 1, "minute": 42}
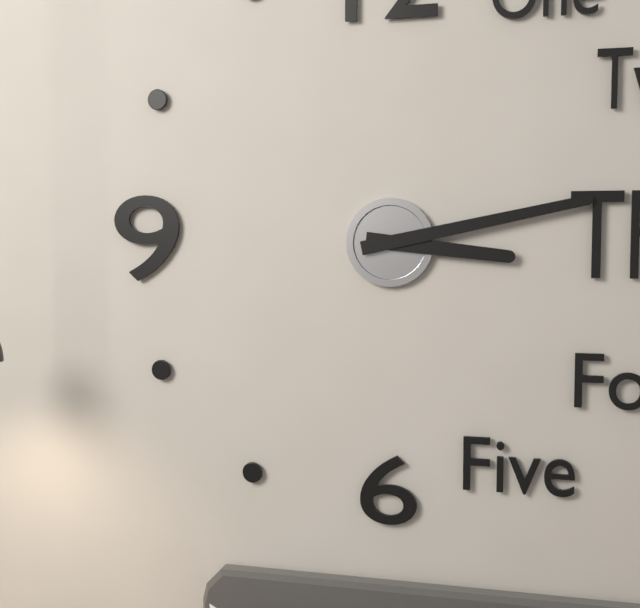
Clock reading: {"hour": 3, "minute": 13}
